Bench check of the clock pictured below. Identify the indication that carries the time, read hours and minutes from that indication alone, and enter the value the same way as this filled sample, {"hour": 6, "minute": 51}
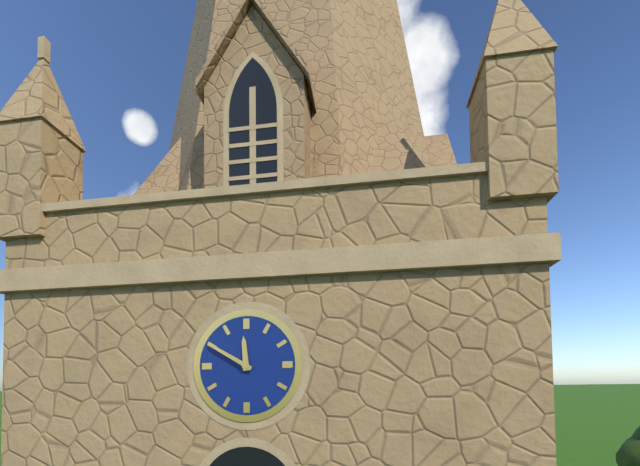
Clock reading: {"hour": 11, "minute": 50}
